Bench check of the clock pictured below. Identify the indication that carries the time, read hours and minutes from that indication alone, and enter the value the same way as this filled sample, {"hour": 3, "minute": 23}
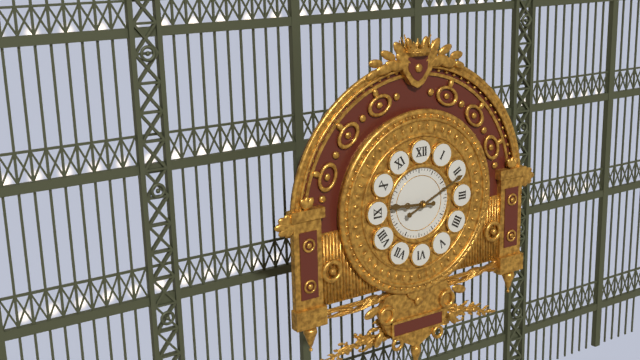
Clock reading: {"hour": 9, "minute": 11}
